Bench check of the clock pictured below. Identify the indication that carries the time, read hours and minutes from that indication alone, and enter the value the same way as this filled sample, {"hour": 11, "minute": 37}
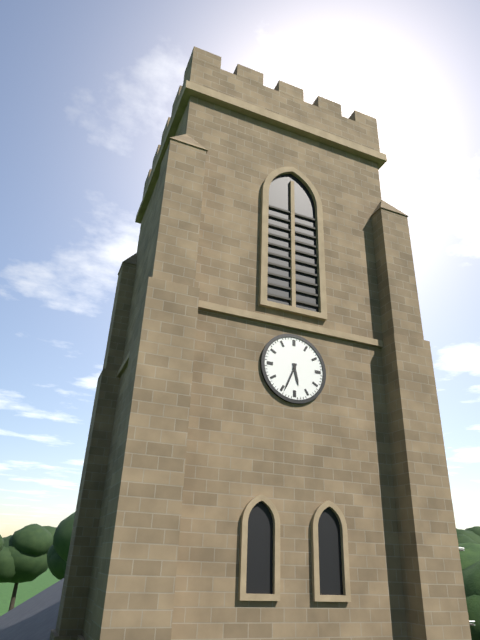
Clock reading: {"hour": 5, "minute": 34}
